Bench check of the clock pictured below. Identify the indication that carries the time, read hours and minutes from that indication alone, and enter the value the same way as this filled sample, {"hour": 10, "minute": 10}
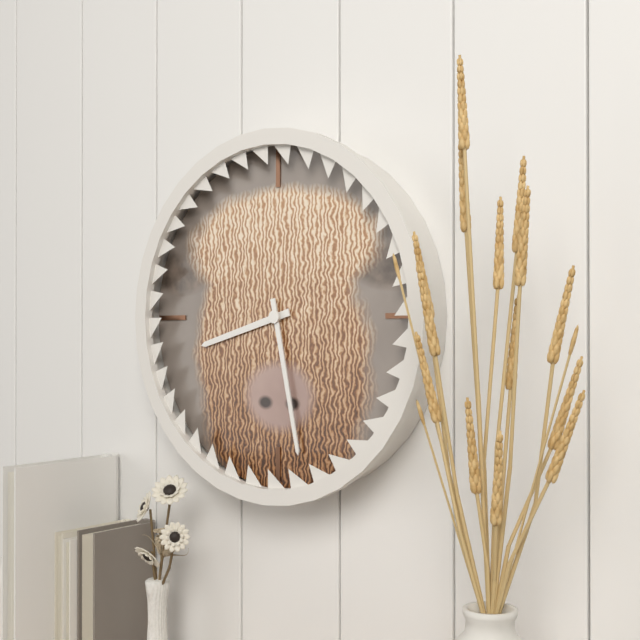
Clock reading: {"hour": 8, "minute": 28}
